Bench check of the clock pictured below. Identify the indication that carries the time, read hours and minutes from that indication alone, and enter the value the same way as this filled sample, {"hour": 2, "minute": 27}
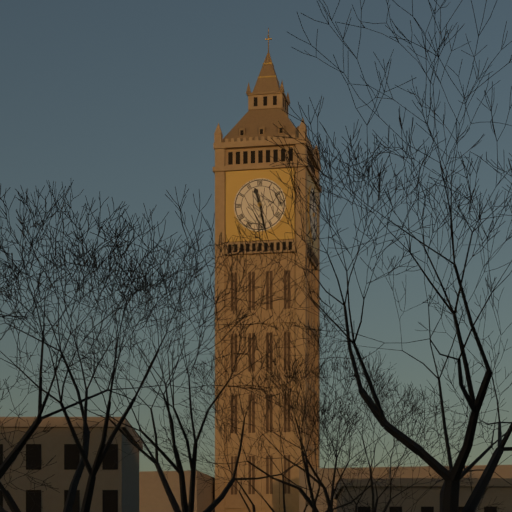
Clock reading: {"hour": 11, "minute": 28}
